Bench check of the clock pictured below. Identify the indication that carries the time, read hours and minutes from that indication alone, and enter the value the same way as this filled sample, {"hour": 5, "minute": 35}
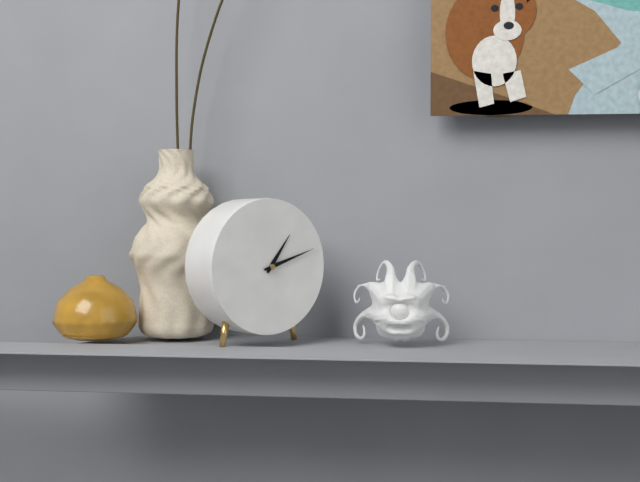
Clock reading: {"hour": 1, "minute": 12}
